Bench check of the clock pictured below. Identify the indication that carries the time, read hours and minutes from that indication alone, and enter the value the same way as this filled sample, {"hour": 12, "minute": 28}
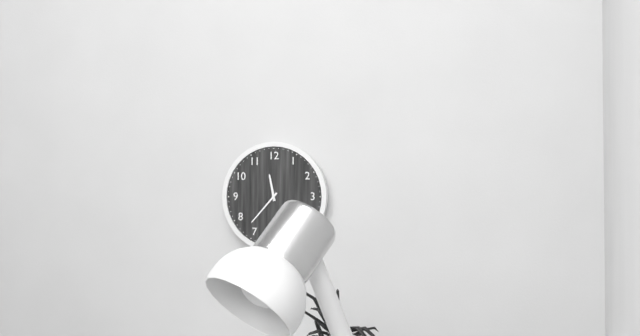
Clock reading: {"hour": 11, "minute": 37}
